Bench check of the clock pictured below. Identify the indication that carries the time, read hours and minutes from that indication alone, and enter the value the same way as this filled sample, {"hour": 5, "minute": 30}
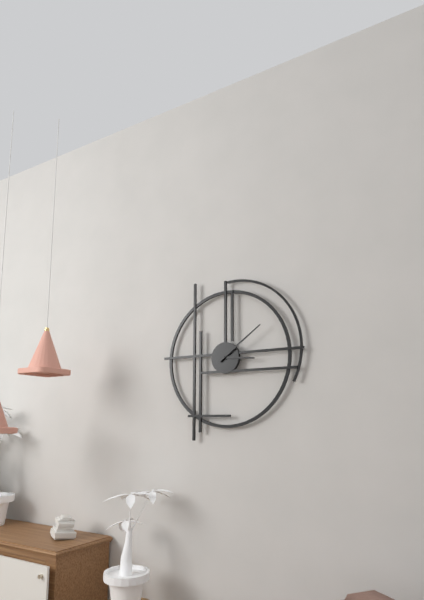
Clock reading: {"hour": 3, "minute": 9}
